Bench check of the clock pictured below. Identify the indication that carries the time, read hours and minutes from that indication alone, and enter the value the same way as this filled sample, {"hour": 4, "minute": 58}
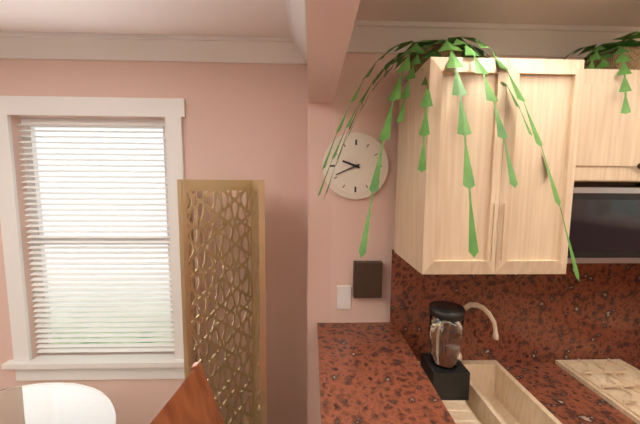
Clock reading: {"hour": 9, "minute": 41}
